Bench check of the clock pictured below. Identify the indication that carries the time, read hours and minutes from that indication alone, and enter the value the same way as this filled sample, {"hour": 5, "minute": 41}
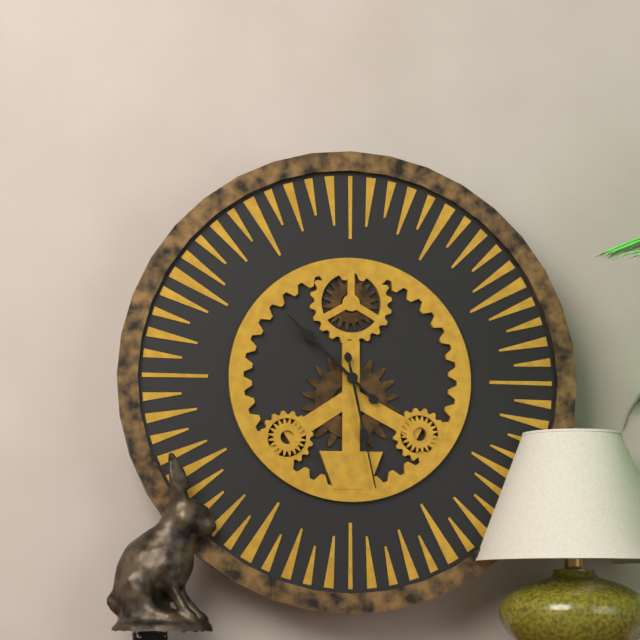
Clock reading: {"hour": 10, "minute": 28}
